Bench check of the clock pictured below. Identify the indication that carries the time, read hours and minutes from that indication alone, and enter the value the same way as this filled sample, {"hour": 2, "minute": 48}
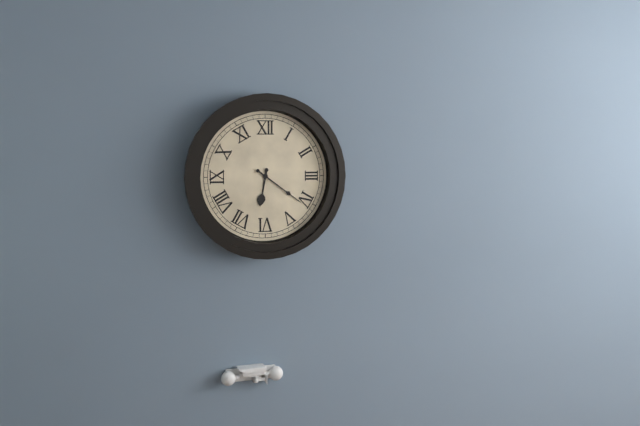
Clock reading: {"hour": 6, "minute": 21}
